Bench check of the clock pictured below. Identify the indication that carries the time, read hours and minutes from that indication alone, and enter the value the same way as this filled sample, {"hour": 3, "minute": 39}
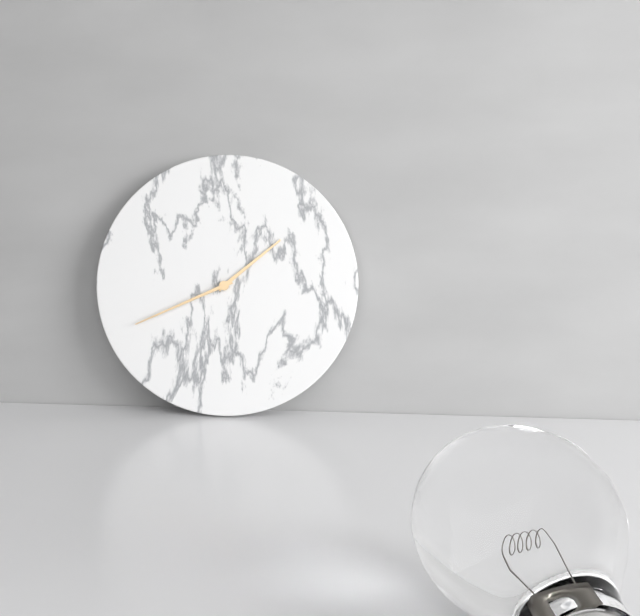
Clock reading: {"hour": 1, "minute": 41}
